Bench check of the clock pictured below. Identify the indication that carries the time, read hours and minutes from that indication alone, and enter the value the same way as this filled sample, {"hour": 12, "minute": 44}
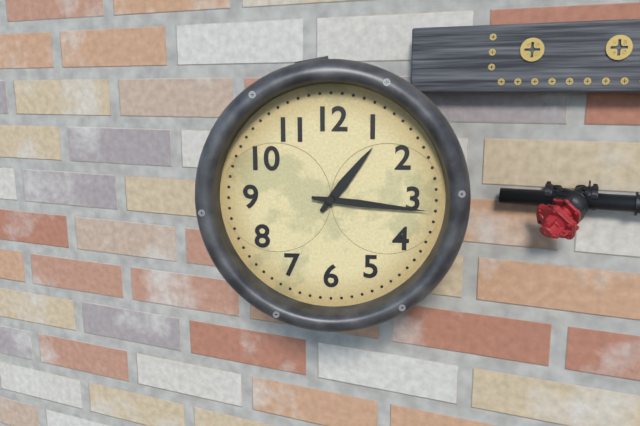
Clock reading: {"hour": 1, "minute": 16}
